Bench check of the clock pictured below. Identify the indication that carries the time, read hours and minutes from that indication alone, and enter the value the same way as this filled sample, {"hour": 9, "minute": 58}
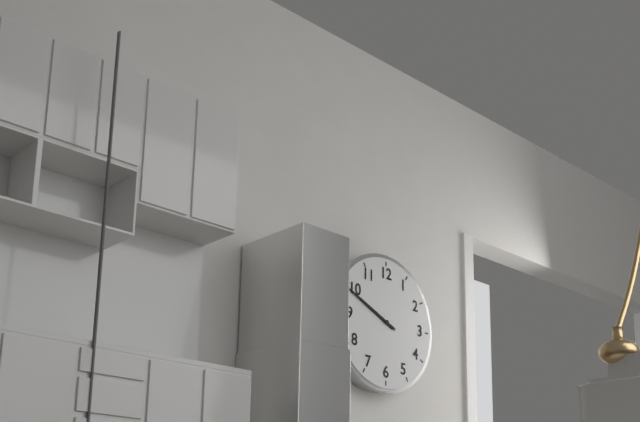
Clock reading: {"hour": 9, "minute": 49}
